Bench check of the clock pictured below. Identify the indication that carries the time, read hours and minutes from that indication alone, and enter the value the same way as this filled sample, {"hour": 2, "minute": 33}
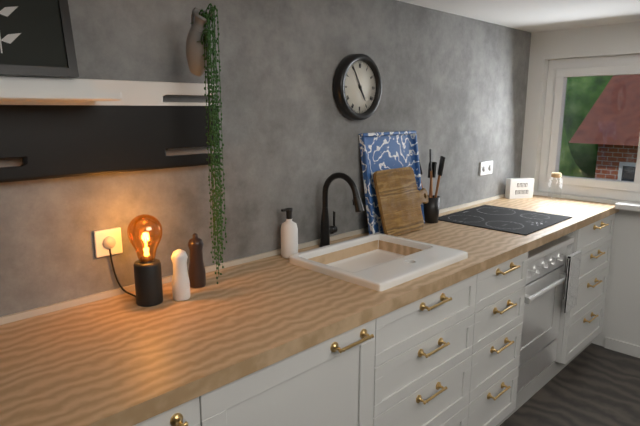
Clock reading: {"hour": 4, "minute": 55}
